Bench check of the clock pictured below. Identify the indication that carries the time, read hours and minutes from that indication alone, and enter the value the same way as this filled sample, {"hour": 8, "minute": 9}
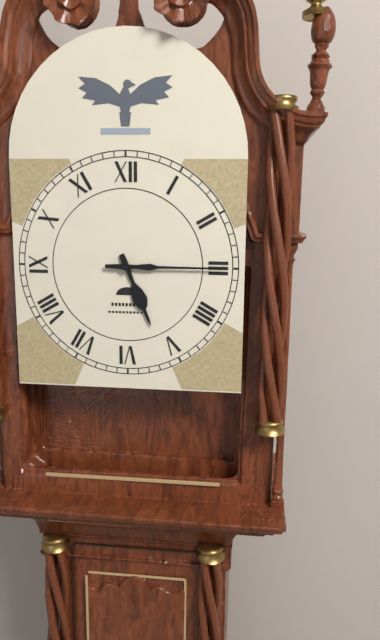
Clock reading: {"hour": 5, "minute": 15}
